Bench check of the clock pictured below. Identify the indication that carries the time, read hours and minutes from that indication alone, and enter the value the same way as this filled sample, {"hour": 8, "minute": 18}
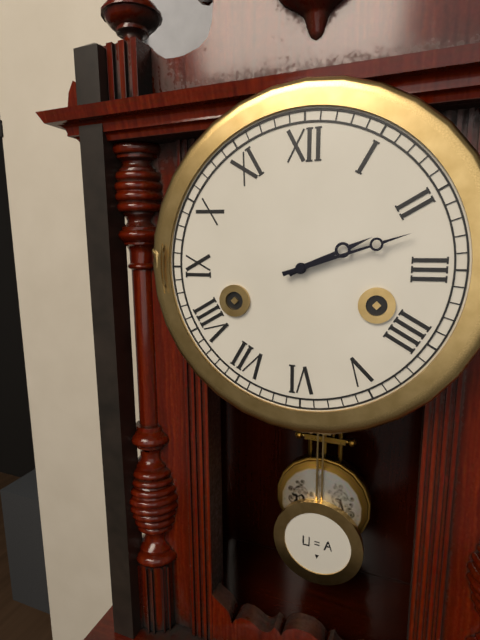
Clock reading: {"hour": 2, "minute": 12}
